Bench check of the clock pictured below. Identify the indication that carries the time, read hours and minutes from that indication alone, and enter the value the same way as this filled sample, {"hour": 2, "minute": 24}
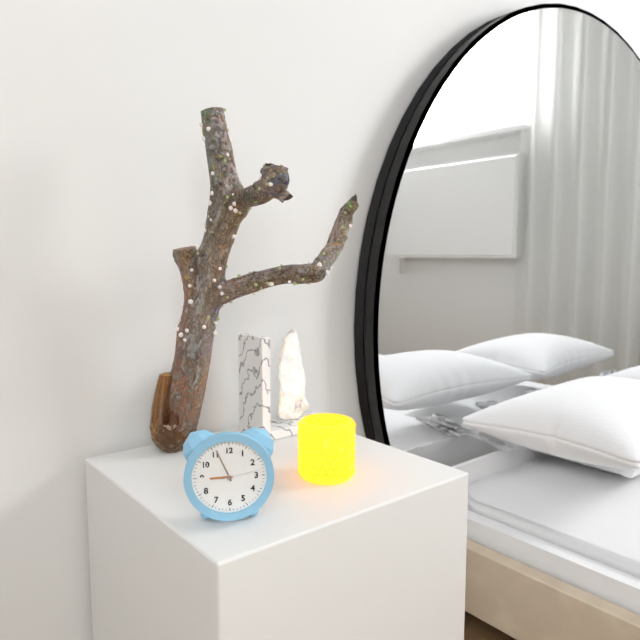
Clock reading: {"hour": 8, "minute": 56}
